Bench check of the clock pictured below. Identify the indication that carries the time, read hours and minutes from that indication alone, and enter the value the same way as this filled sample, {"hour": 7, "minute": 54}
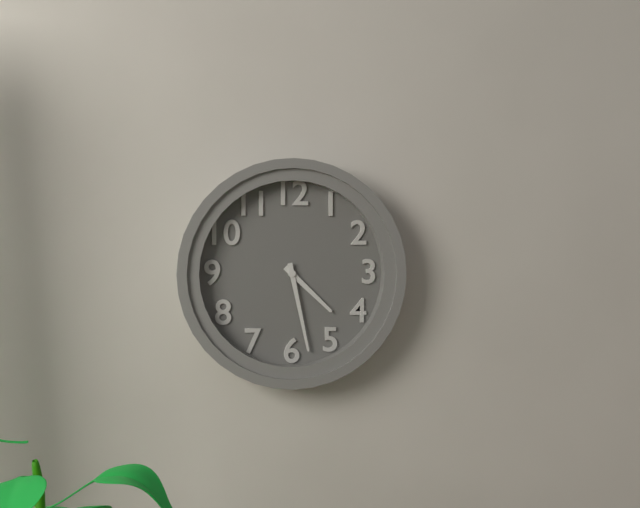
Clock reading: {"hour": 4, "minute": 28}
